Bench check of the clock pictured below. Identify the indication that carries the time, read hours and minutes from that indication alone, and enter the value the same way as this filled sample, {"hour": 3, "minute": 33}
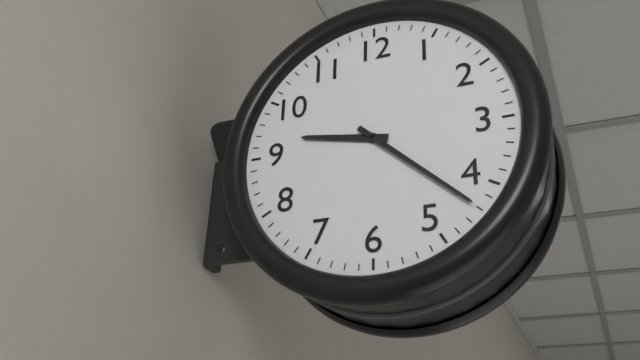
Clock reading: {"hour": 9, "minute": 22}
